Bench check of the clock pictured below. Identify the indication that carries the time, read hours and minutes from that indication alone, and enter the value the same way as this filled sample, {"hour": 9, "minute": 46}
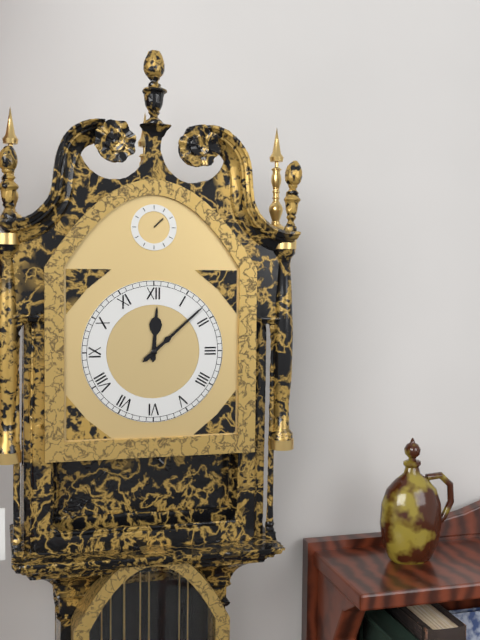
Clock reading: {"hour": 12, "minute": 8}
